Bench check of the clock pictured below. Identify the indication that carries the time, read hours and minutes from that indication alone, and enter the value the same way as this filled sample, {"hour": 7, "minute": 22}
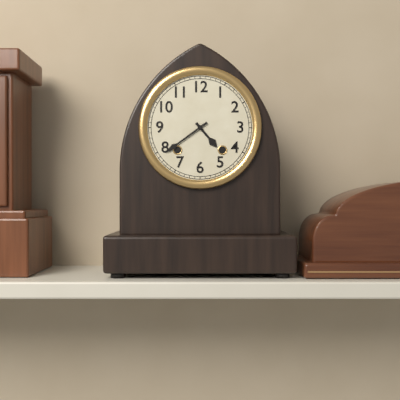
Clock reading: {"hour": 4, "minute": 39}
